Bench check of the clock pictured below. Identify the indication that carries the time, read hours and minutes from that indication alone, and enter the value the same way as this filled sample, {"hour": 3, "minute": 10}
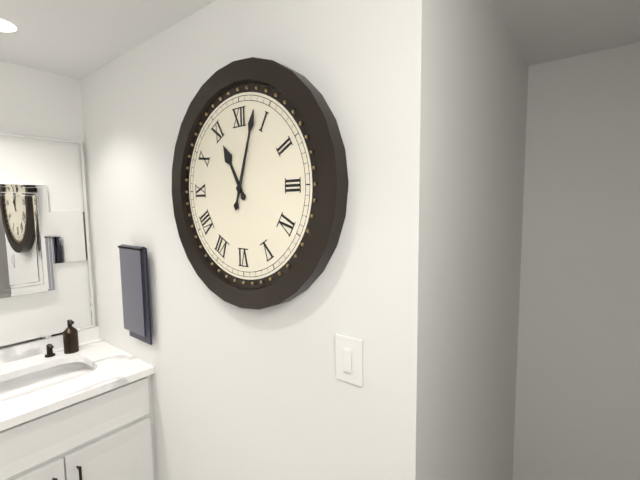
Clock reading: {"hour": 11, "minute": 3}
